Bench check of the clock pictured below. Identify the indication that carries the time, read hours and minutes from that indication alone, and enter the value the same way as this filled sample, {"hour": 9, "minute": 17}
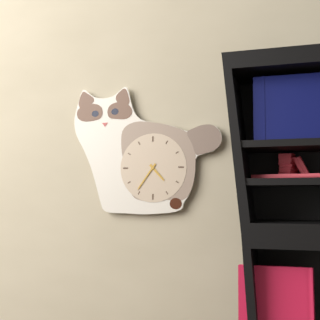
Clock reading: {"hour": 4, "minute": 36}
